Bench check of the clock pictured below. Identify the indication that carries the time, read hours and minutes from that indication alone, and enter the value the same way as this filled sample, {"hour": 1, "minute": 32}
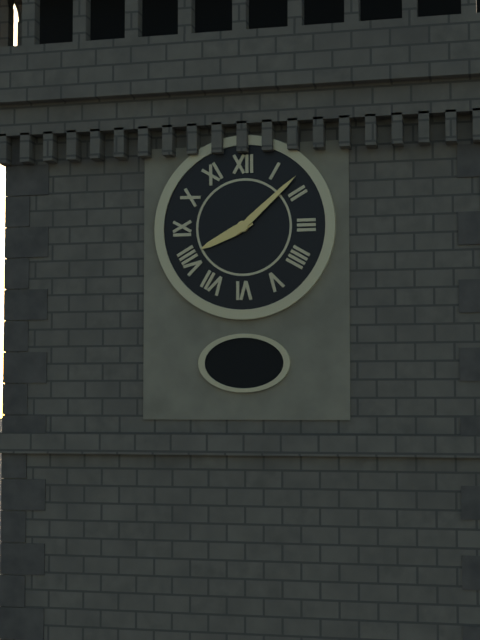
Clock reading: {"hour": 8, "minute": 8}
